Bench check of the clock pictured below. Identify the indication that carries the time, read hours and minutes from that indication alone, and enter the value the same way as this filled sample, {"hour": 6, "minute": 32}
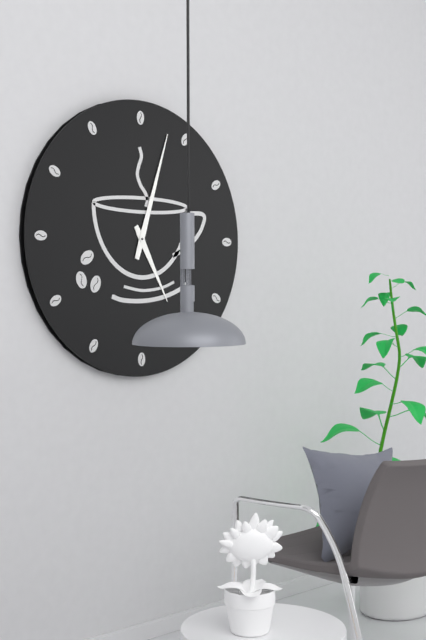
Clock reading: {"hour": 5, "minute": 3}
